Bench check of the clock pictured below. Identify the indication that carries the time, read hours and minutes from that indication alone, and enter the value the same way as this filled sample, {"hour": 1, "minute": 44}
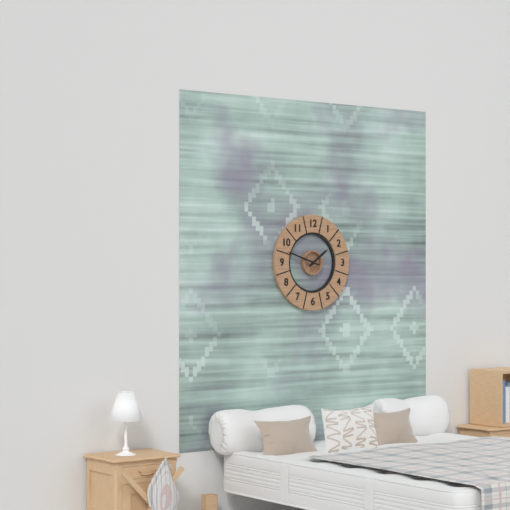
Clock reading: {"hour": 1, "minute": 48}
